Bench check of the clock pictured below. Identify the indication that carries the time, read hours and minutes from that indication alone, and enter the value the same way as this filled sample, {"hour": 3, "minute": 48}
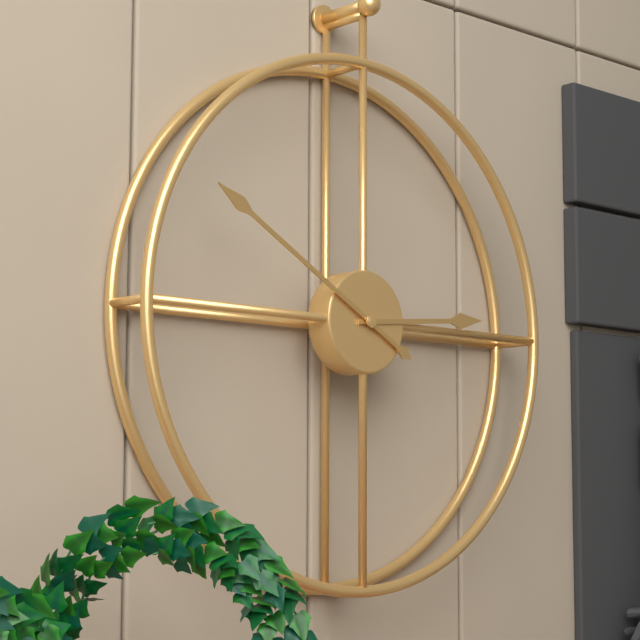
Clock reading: {"hour": 2, "minute": 50}
